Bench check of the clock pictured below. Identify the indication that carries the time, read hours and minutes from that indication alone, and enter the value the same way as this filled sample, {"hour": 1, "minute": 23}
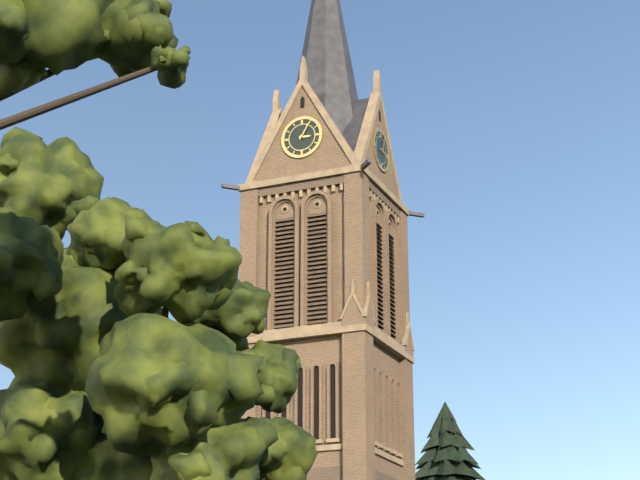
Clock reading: {"hour": 3, "minute": 5}
